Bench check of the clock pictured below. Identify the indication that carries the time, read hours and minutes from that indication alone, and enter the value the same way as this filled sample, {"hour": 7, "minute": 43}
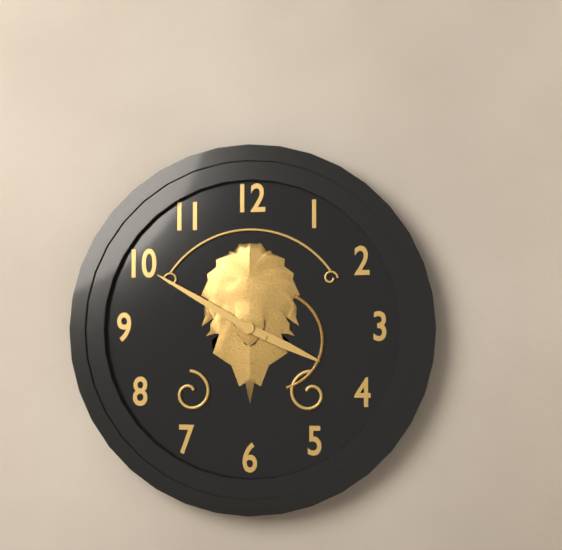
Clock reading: {"hour": 3, "minute": 50}
